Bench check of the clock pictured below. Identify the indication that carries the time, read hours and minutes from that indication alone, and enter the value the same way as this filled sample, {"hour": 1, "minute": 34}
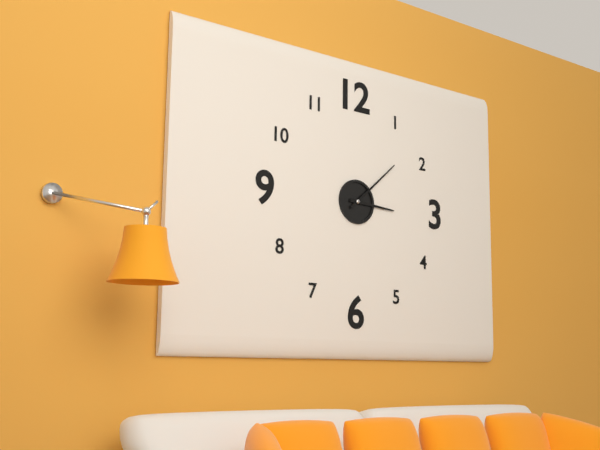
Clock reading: {"hour": 3, "minute": 8}
